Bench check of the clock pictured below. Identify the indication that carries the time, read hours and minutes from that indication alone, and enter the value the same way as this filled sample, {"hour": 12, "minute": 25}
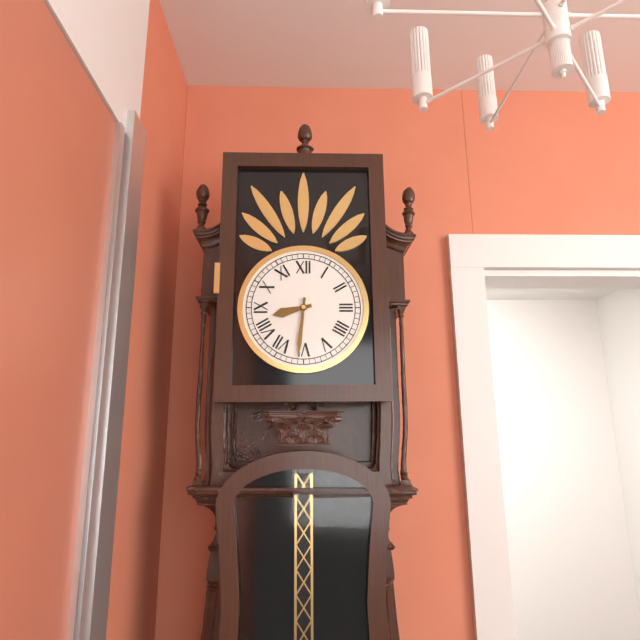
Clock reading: {"hour": 8, "minute": 31}
